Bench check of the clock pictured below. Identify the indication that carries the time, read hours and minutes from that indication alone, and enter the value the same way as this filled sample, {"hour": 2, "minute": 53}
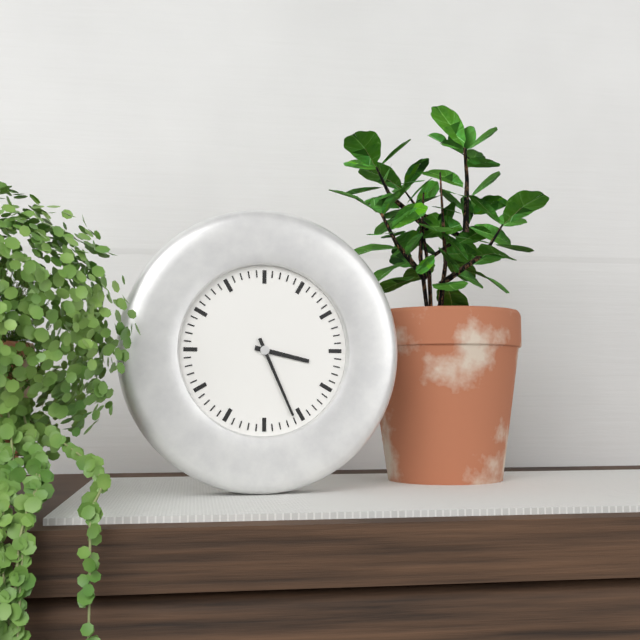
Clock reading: {"hour": 3, "minute": 26}
